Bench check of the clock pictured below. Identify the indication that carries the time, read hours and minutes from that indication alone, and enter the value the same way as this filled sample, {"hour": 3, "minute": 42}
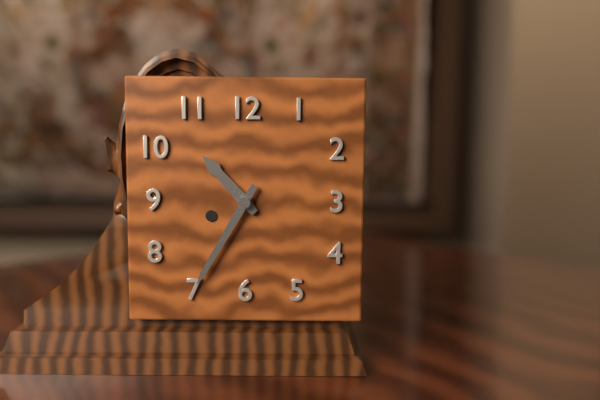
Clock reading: {"hour": 10, "minute": 35}
